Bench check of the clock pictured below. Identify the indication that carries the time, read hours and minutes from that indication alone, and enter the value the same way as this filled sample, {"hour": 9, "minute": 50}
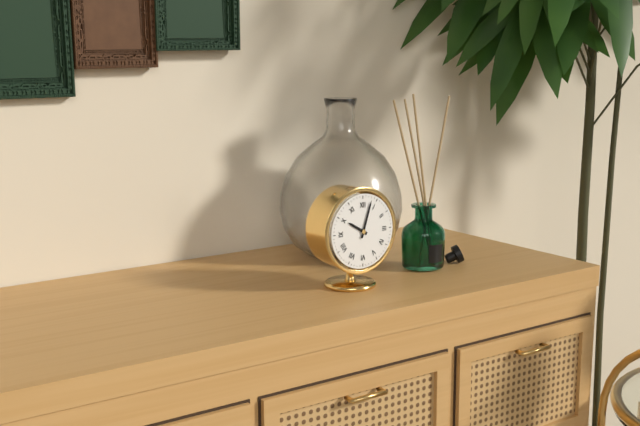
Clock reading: {"hour": 10, "minute": 3}
